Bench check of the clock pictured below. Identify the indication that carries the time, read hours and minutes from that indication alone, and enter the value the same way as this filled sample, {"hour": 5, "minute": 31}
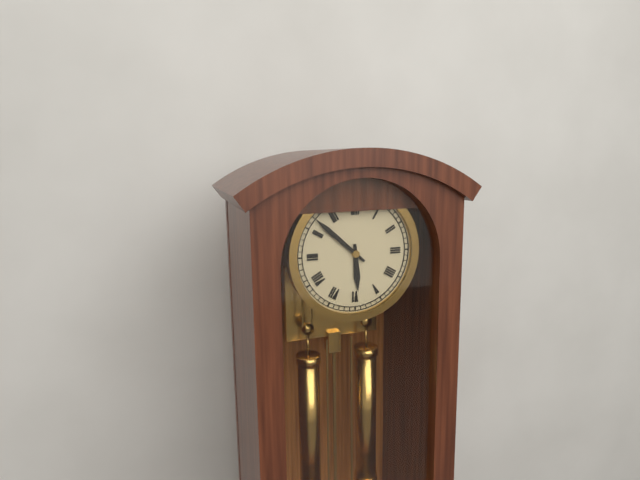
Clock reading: {"hour": 5, "minute": 52}
